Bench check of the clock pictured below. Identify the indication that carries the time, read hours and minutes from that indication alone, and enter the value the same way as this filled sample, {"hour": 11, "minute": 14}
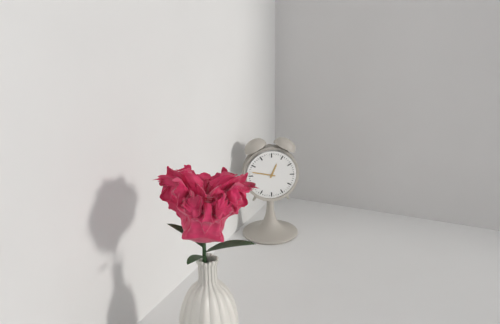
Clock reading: {"hour": 12, "minute": 47}
